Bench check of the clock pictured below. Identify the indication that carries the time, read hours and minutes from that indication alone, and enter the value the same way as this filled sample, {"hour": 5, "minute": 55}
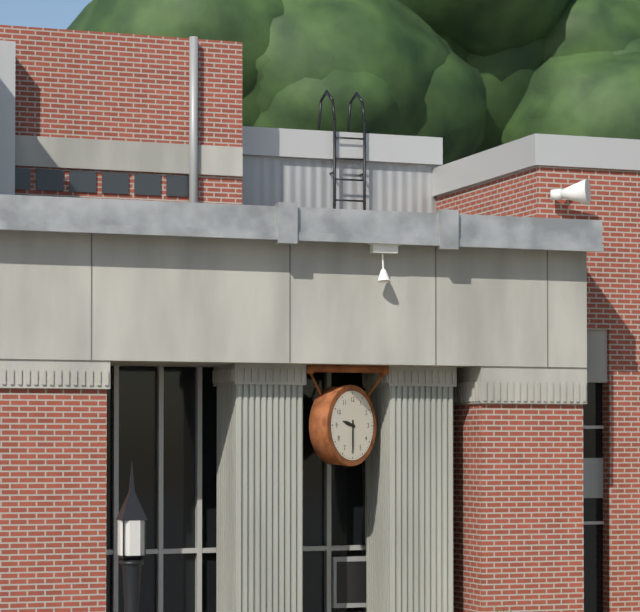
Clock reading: {"hour": 9, "minute": 30}
